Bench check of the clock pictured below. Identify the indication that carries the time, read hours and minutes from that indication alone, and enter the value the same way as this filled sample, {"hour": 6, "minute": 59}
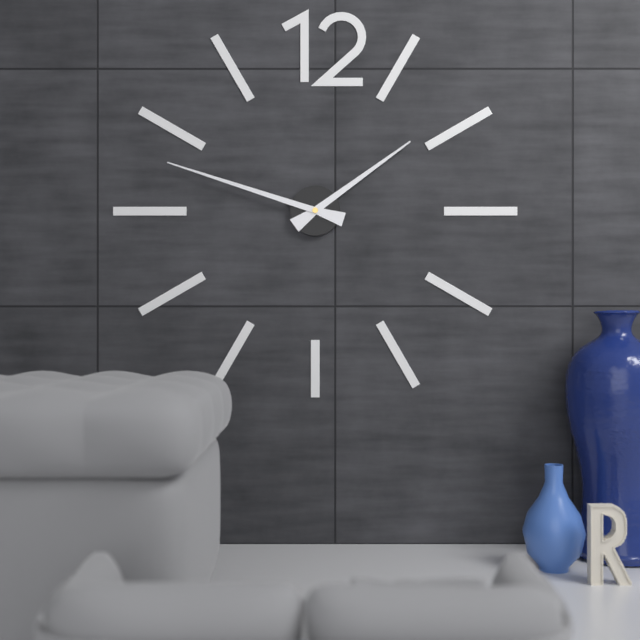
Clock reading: {"hour": 1, "minute": 48}
